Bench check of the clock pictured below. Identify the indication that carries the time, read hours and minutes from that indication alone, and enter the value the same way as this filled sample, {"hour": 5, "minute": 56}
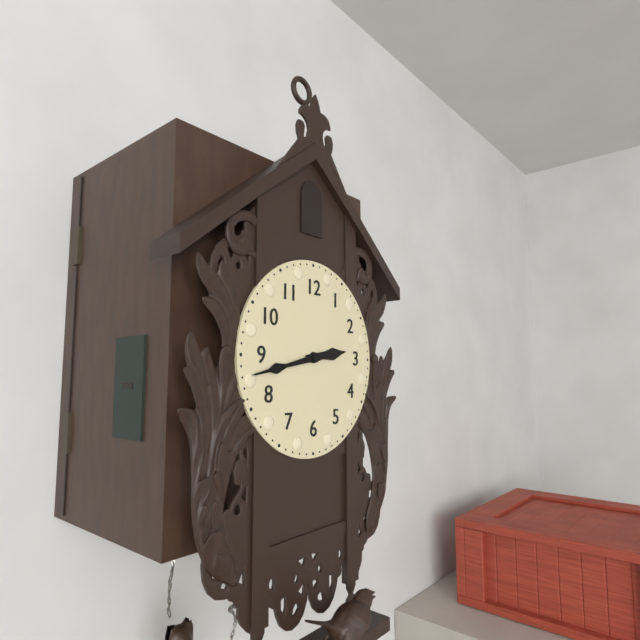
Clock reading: {"hour": 2, "minute": 43}
